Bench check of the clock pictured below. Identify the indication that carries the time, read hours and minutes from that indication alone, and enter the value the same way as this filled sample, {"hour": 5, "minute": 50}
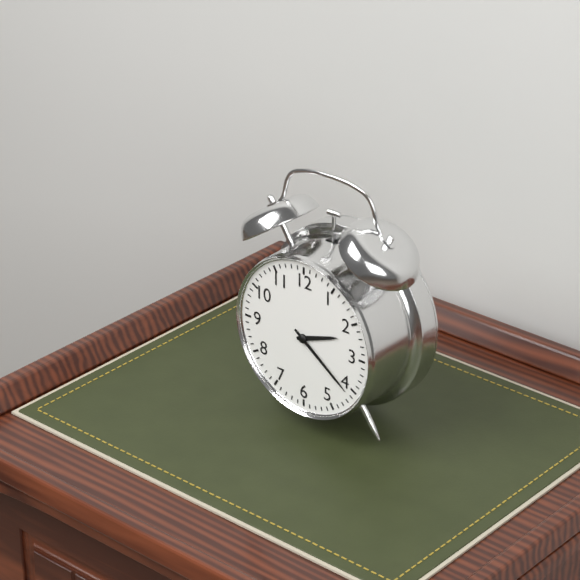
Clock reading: {"hour": 2, "minute": 21}
